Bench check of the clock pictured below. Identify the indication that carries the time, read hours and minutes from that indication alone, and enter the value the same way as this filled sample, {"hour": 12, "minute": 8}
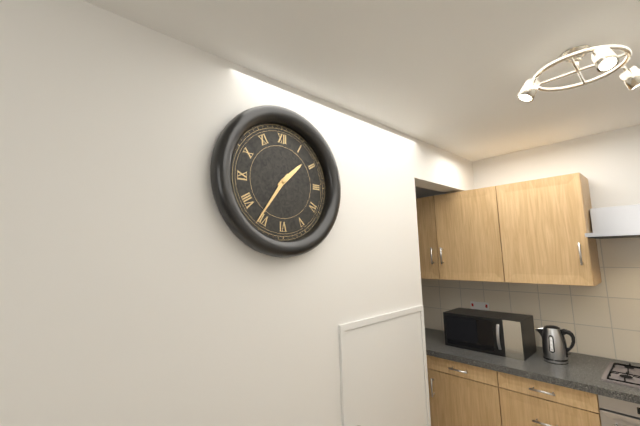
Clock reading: {"hour": 1, "minute": 36}
